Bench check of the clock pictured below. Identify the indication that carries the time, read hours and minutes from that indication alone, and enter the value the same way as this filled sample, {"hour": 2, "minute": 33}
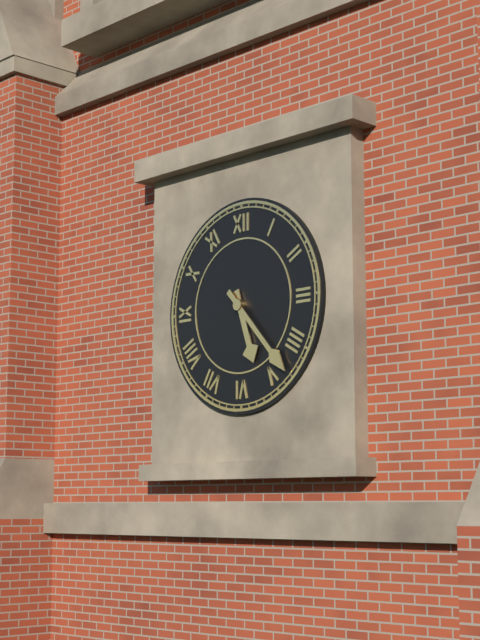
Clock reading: {"hour": 5, "minute": 23}
